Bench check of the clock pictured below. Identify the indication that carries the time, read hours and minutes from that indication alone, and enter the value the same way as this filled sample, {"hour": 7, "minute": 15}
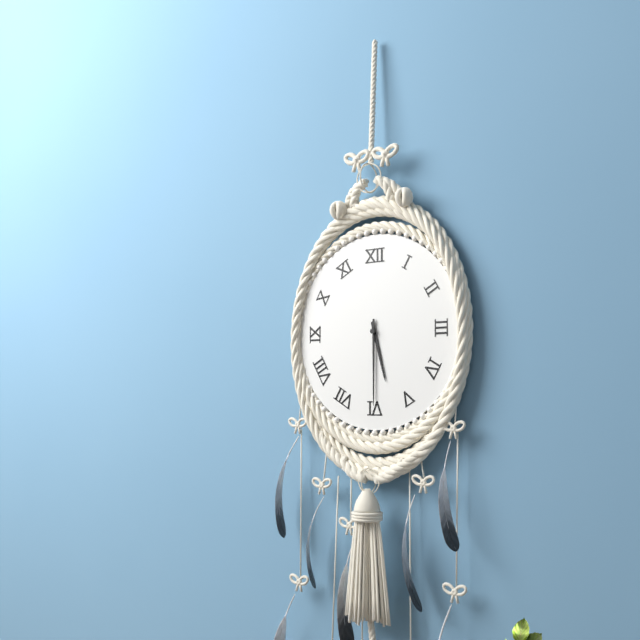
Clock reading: {"hour": 5, "minute": 30}
